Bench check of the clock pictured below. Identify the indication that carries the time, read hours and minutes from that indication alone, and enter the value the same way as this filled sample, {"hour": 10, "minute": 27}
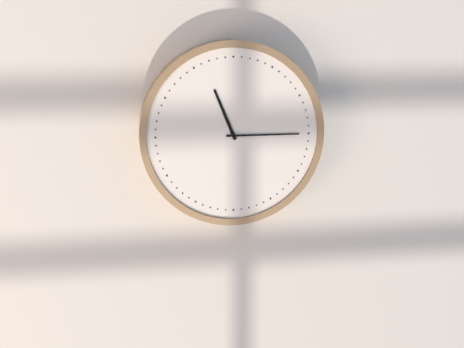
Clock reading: {"hour": 11, "minute": 15}
